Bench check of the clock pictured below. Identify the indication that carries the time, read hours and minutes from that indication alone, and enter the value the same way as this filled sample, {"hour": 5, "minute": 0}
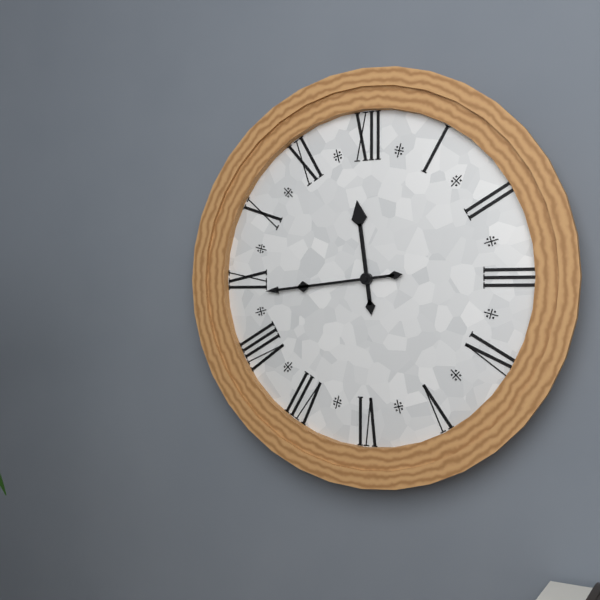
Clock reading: {"hour": 11, "minute": 44}
